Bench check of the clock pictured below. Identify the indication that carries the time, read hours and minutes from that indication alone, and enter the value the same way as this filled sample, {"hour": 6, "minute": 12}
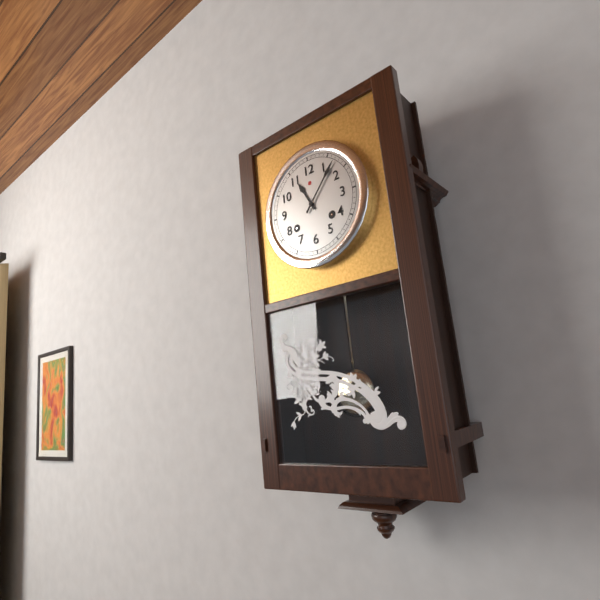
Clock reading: {"hour": 11, "minute": 7}
